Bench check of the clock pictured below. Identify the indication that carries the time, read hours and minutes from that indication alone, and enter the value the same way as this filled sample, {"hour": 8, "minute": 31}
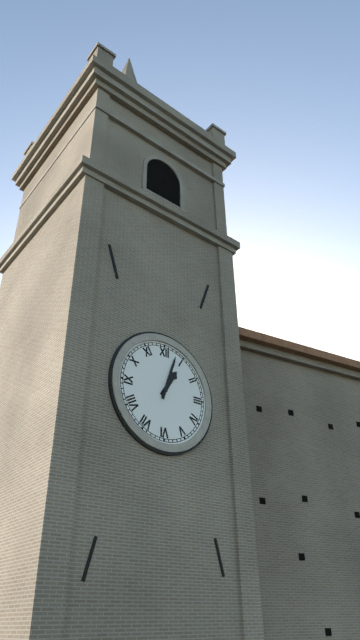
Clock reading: {"hour": 1, "minute": 3}
